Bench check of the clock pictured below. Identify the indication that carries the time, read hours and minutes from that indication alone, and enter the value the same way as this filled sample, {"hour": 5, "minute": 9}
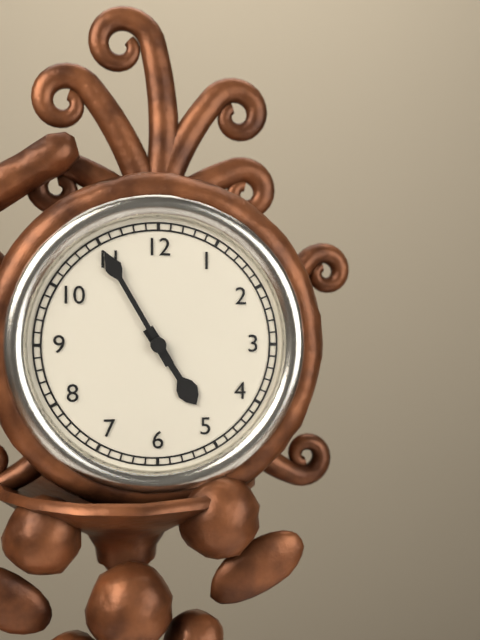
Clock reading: {"hour": 4, "minute": 55}
